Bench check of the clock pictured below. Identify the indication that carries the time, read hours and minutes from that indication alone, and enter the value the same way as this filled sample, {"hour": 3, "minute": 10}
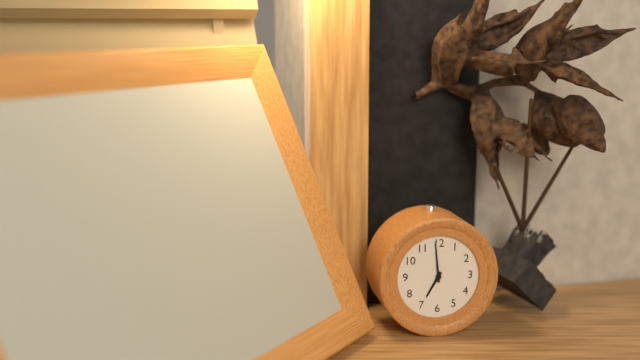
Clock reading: {"hour": 6, "minute": 59}
